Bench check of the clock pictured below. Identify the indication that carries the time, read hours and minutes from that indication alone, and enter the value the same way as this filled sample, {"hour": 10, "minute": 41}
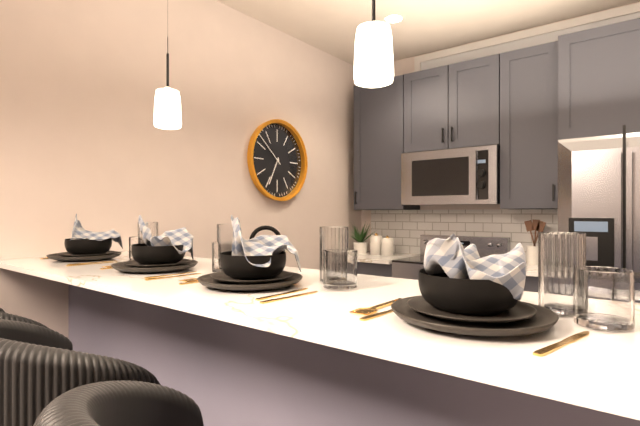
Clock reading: {"hour": 6, "minute": 52}
